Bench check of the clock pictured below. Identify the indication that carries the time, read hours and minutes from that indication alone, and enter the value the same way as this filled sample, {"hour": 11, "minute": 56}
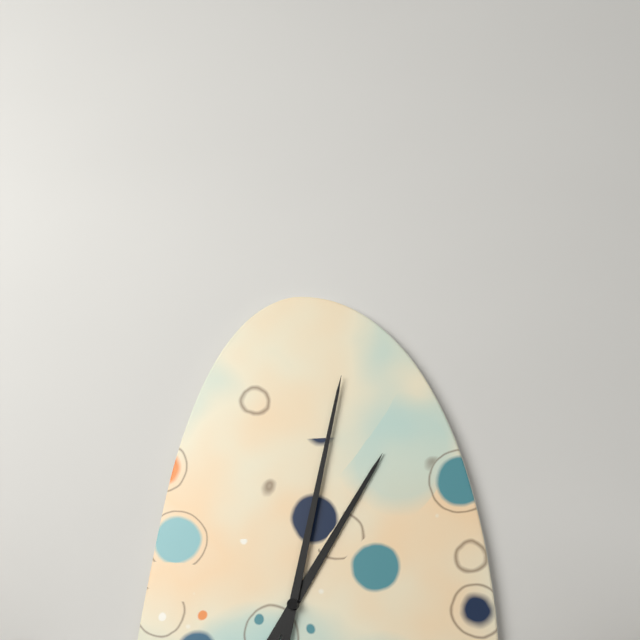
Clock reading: {"hour": 1, "minute": 2}
